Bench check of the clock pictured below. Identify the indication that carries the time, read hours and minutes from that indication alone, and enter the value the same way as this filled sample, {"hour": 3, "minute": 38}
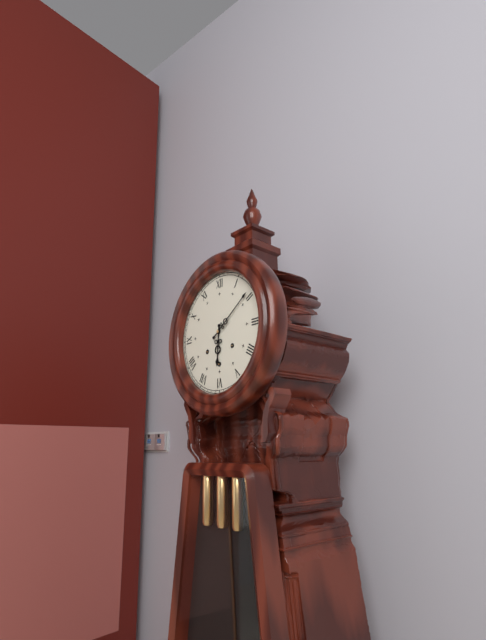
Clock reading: {"hour": 6, "minute": 9}
